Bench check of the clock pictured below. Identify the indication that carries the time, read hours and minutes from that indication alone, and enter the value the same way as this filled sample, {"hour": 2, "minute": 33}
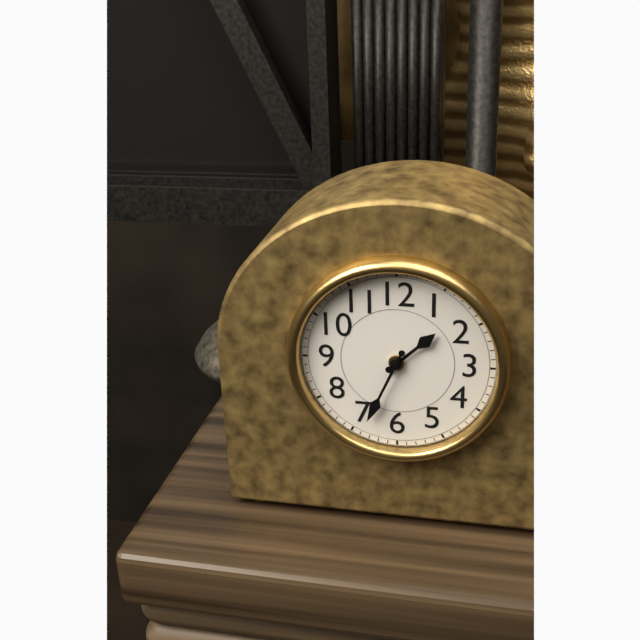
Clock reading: {"hour": 1, "minute": 34}
